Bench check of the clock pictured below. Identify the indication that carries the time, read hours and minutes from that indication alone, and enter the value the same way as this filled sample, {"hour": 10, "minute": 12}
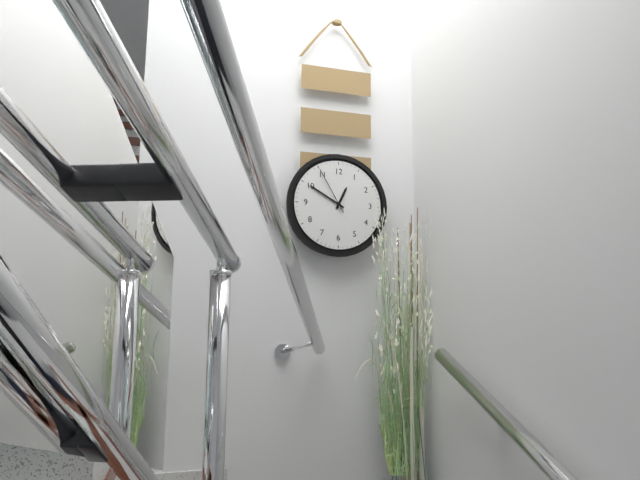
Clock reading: {"hour": 12, "minute": 50}
